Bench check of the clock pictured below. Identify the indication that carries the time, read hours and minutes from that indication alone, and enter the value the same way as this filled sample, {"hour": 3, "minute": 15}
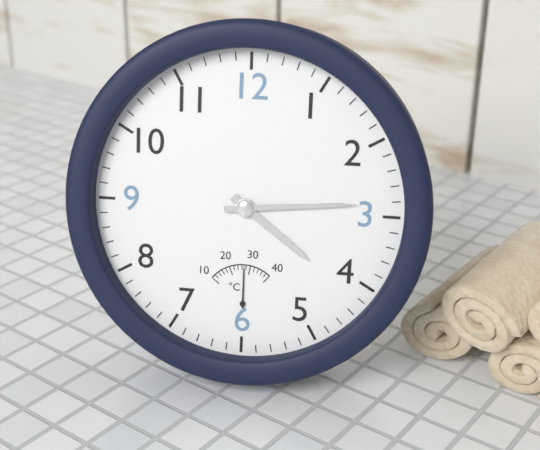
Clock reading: {"hour": 4, "minute": 14}
